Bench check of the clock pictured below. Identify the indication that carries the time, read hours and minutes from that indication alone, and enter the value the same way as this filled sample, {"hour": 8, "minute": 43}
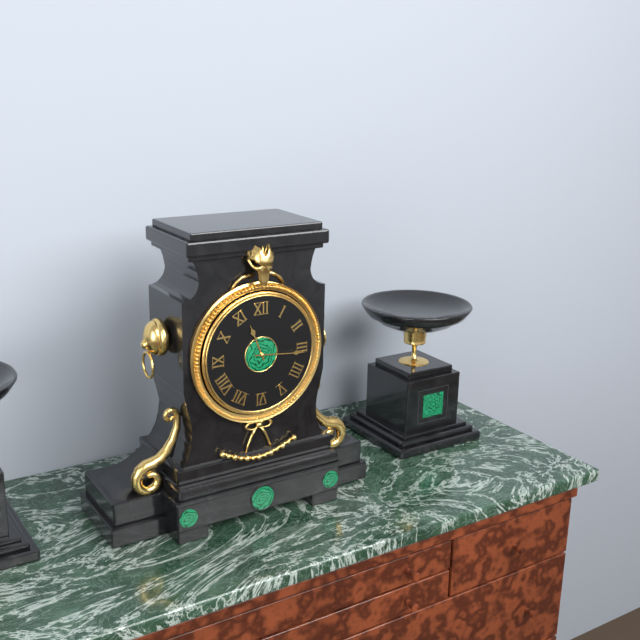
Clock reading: {"hour": 11, "minute": 16}
